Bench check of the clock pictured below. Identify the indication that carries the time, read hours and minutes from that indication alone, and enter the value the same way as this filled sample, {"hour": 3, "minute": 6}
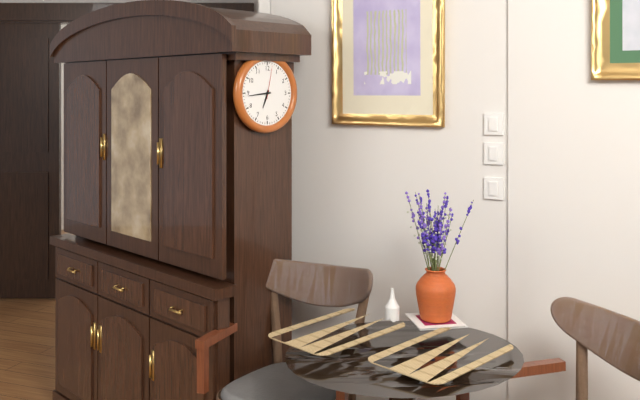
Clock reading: {"hour": 6, "minute": 44}
